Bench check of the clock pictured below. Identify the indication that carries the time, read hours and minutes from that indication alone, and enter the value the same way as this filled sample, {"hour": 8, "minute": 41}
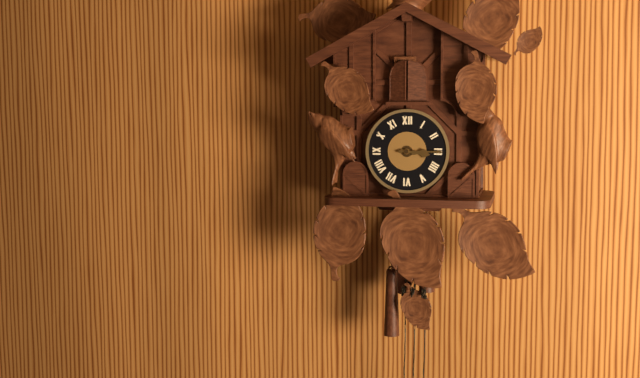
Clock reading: {"hour": 3, "minute": 15}
